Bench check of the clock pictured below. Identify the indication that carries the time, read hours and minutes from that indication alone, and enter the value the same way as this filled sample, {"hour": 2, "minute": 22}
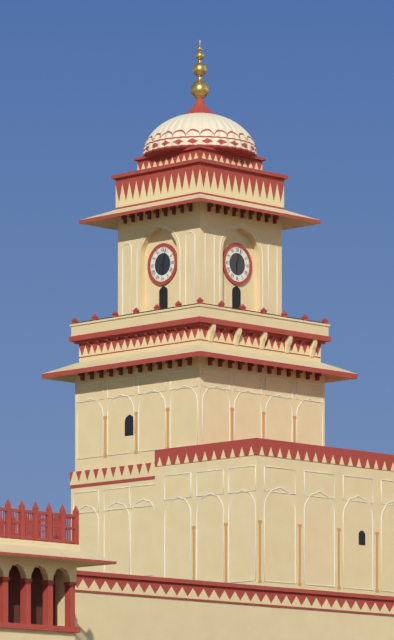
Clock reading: {"hour": 6, "minute": 3}
